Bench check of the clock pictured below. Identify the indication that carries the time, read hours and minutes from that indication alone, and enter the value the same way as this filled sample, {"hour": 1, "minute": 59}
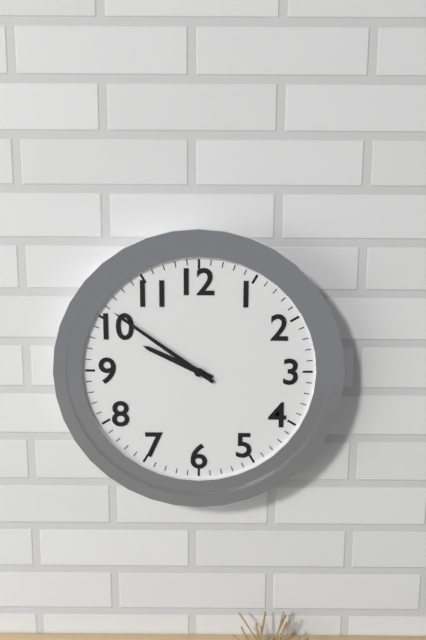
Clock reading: {"hour": 9, "minute": 51}
